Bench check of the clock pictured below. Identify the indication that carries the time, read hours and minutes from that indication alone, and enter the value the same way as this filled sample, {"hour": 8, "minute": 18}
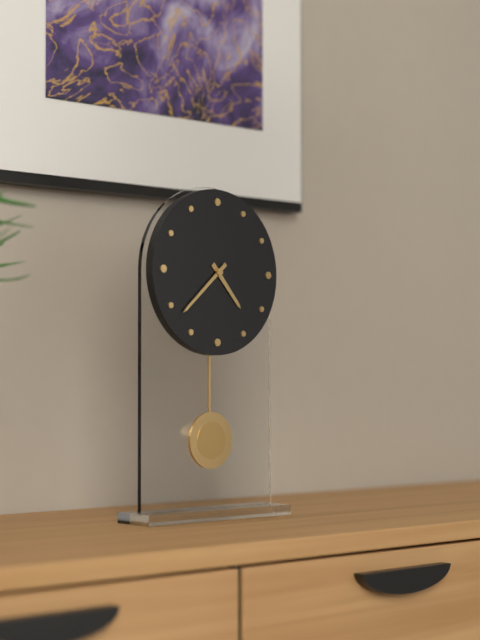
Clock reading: {"hour": 4, "minute": 38}
